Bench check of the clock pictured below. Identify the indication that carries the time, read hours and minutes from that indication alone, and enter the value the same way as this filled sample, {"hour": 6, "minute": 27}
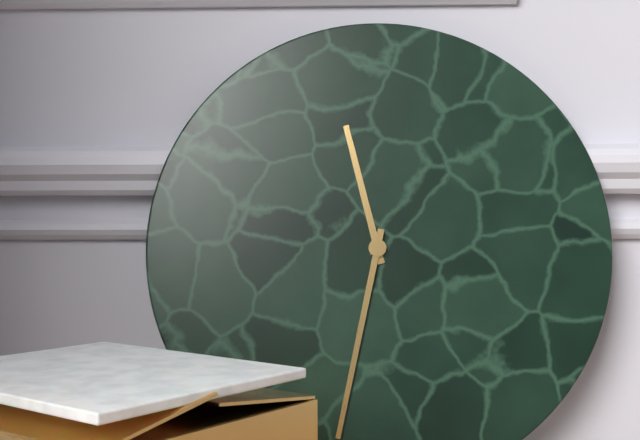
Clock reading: {"hour": 11, "minute": 32}
